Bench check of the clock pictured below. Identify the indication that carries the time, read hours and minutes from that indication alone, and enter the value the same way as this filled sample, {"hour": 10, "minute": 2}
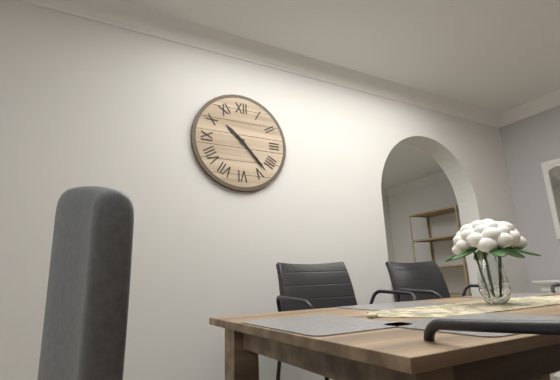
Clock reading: {"hour": 10, "minute": 23}
